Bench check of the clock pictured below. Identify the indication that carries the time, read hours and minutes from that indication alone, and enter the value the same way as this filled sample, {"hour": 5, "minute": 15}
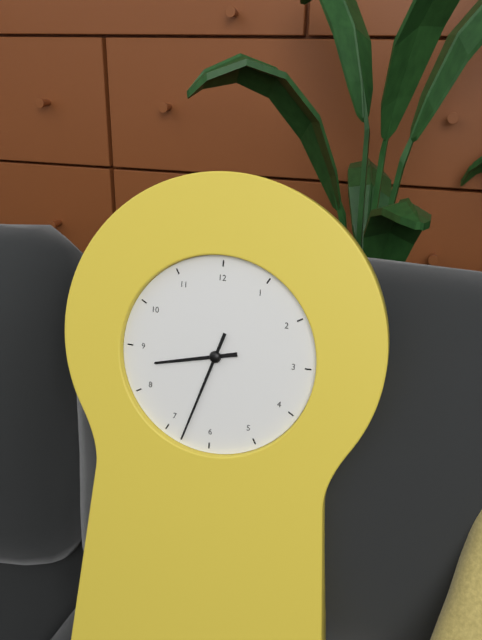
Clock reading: {"hour": 8, "minute": 33}
